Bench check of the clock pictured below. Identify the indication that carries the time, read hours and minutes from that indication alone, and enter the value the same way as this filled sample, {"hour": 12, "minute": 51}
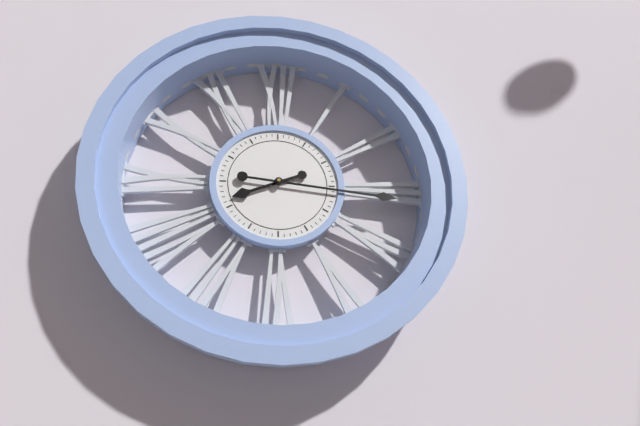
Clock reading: {"hour": 8, "minute": 16}
